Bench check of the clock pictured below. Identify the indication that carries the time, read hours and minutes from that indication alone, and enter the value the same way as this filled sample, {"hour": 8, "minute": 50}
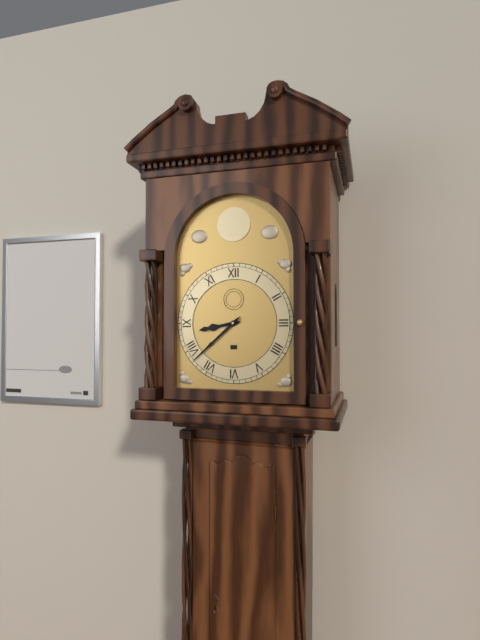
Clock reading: {"hour": 8, "minute": 38}
